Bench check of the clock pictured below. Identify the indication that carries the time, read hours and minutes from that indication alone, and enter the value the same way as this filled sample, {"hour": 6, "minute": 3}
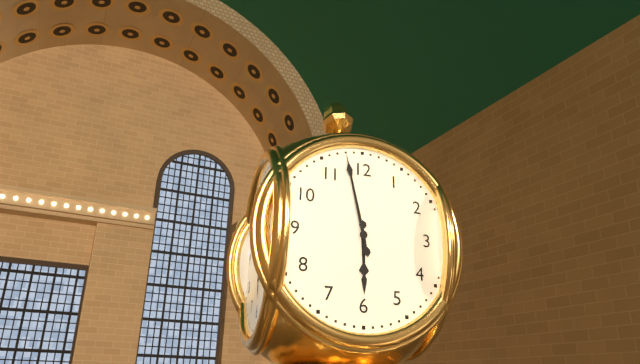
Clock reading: {"hour": 5, "minute": 58}
